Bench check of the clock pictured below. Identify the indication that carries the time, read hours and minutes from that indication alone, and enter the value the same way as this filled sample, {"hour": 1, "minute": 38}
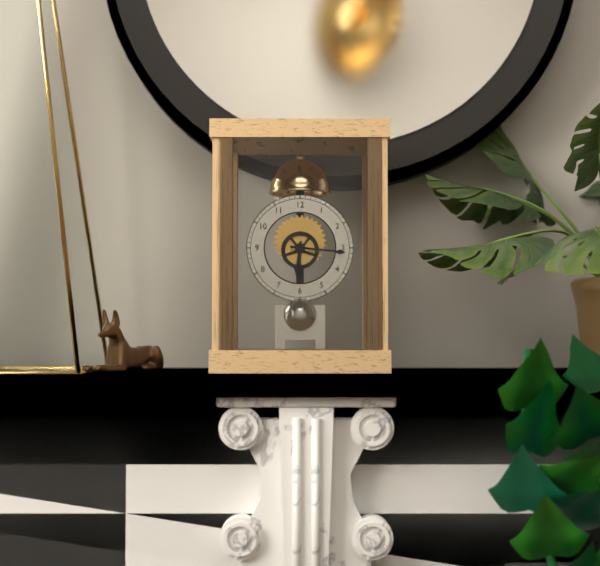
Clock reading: {"hour": 6, "minute": 16}
